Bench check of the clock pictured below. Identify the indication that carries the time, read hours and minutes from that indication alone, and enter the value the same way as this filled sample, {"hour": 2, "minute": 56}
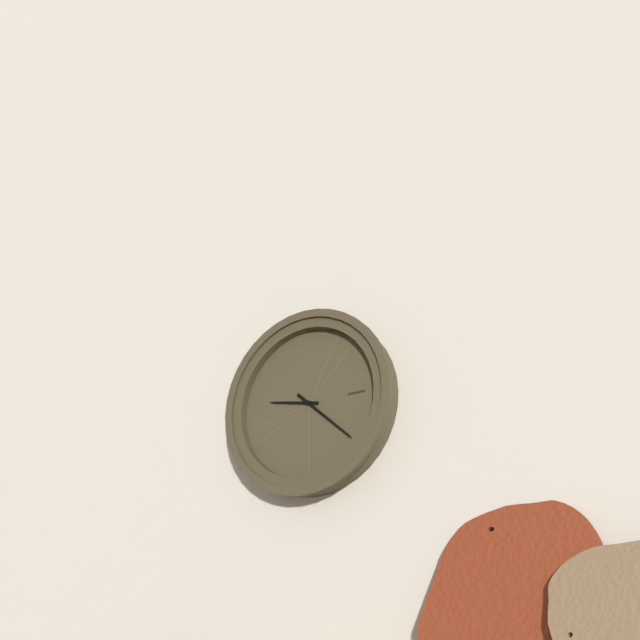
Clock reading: {"hour": 9, "minute": 22}
